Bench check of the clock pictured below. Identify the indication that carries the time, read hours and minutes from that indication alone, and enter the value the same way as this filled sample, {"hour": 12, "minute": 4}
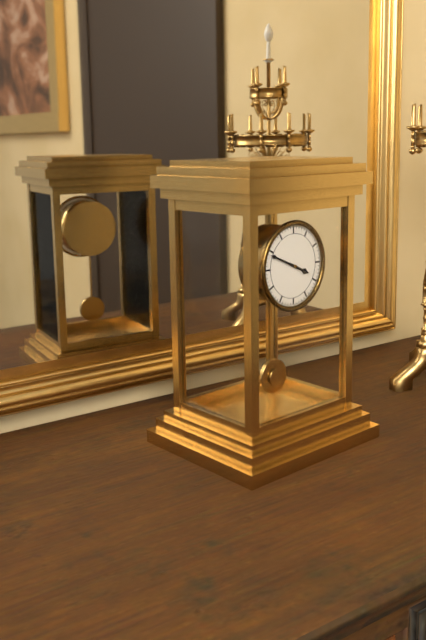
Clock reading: {"hour": 3, "minute": 49}
